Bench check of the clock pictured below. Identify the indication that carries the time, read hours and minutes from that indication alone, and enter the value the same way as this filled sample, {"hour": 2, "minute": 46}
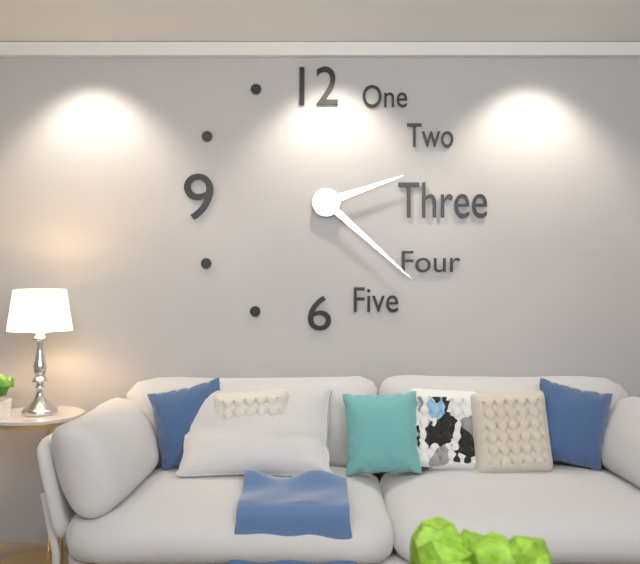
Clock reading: {"hour": 2, "minute": 22}
